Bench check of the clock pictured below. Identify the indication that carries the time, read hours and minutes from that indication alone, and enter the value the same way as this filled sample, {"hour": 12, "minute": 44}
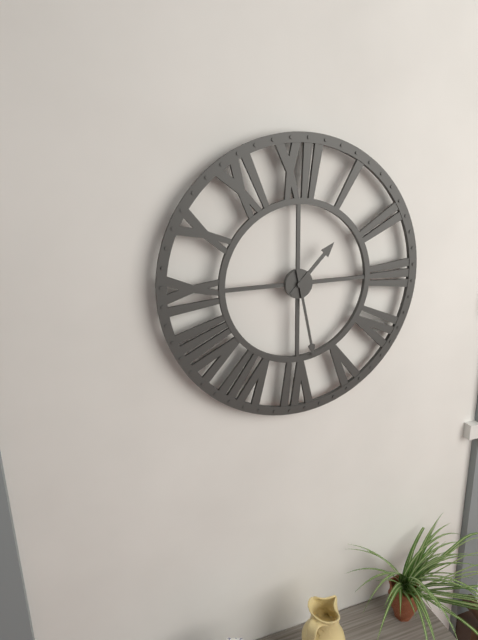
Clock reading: {"hour": 1, "minute": 28}
